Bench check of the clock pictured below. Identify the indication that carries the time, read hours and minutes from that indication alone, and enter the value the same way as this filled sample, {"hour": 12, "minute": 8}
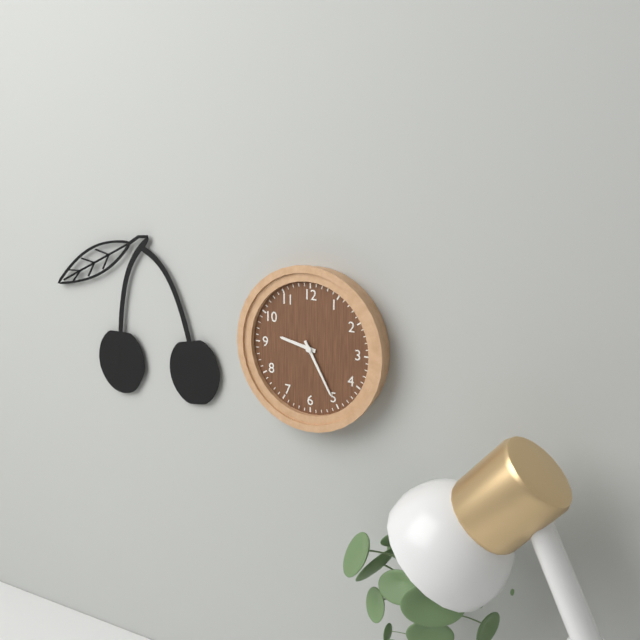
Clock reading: {"hour": 9, "minute": 25}
